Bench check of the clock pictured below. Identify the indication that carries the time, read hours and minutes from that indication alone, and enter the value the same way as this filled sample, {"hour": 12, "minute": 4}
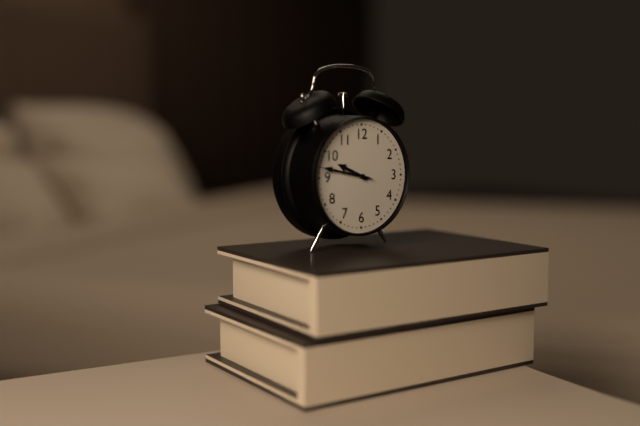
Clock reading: {"hour": 9, "minute": 47}
